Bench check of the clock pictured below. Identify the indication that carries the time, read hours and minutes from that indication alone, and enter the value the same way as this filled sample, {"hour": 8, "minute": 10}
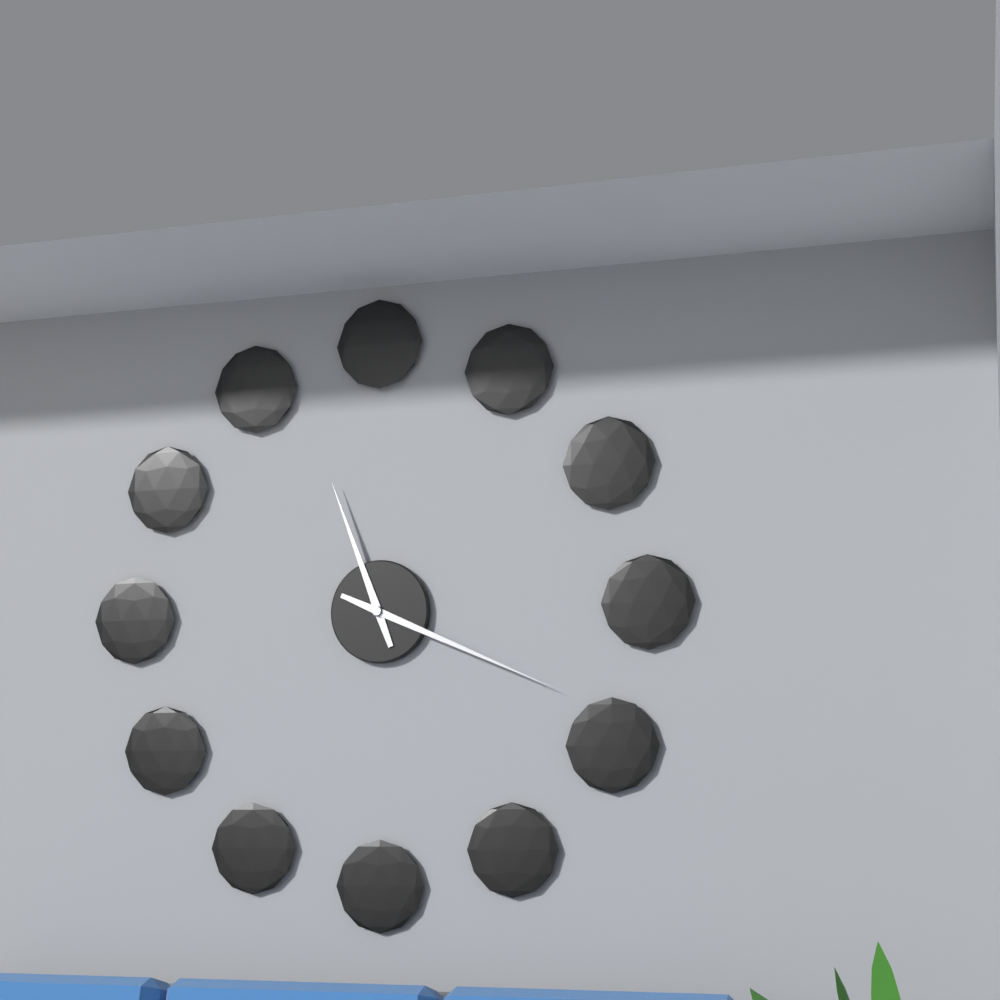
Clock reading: {"hour": 11, "minute": 19}
